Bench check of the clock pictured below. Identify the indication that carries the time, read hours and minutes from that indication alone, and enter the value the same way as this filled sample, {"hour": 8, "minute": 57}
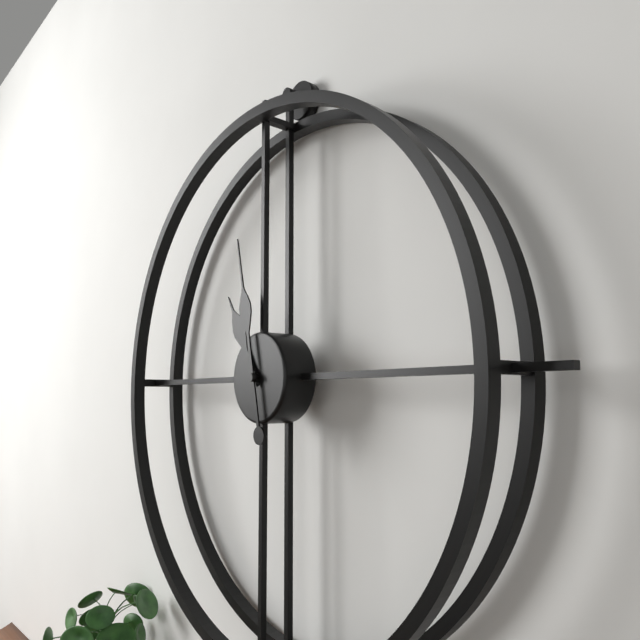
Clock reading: {"hour": 10, "minute": 58}
